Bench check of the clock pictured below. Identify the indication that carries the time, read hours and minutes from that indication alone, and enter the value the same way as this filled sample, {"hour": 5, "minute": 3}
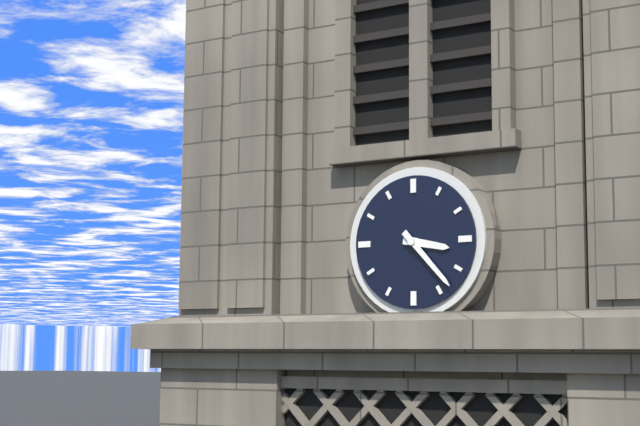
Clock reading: {"hour": 3, "minute": 23}
